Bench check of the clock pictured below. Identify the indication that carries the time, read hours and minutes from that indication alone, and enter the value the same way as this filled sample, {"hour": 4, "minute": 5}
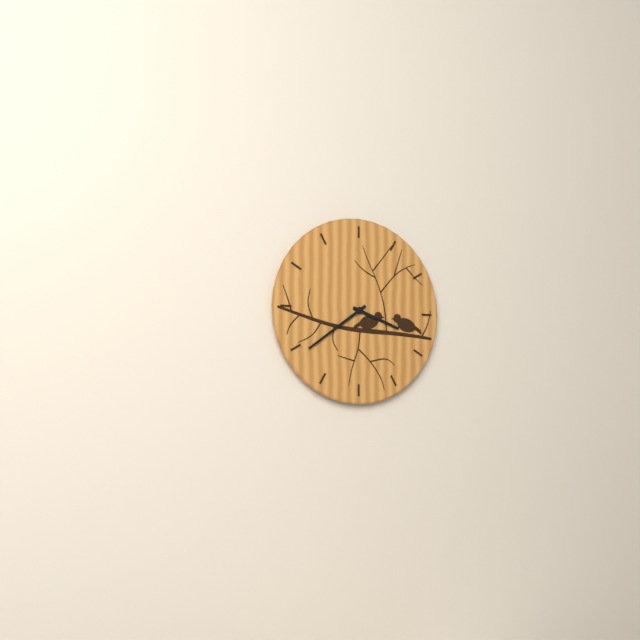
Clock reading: {"hour": 3, "minute": 39}
